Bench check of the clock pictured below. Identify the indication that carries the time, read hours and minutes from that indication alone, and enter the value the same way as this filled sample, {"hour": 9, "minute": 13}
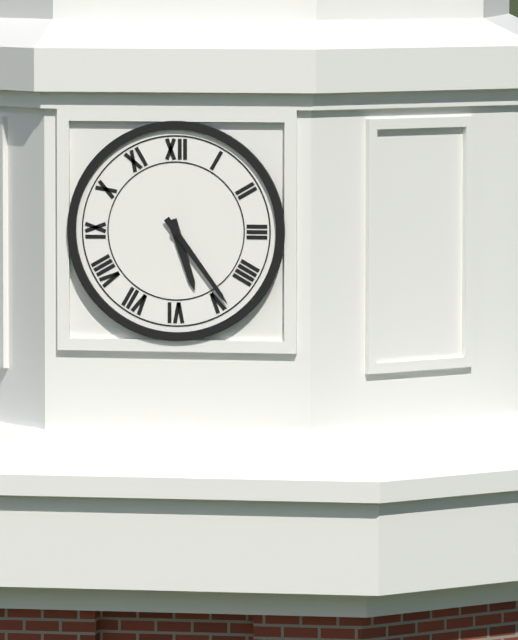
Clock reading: {"hour": 5, "minute": 24}
